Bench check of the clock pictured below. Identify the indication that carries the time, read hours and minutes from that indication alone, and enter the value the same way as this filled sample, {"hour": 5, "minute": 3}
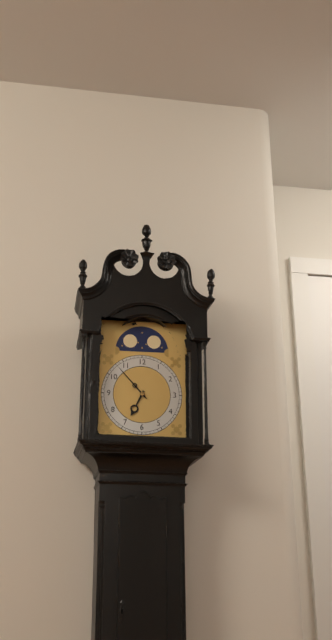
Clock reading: {"hour": 6, "minute": 53}
